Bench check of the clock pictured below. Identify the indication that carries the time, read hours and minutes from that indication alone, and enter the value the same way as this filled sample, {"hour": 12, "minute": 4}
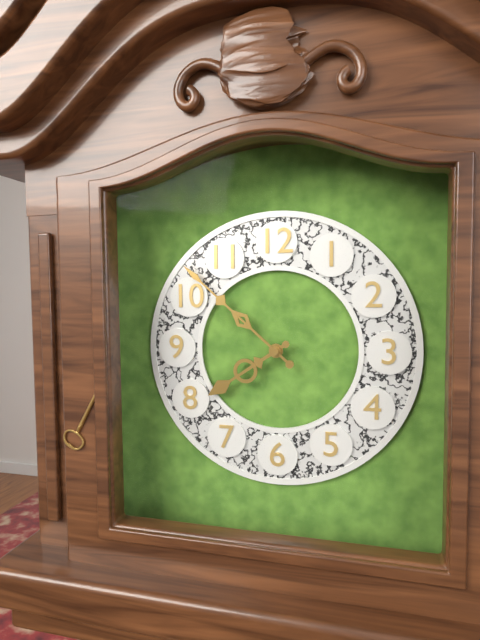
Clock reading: {"hour": 7, "minute": 52}
